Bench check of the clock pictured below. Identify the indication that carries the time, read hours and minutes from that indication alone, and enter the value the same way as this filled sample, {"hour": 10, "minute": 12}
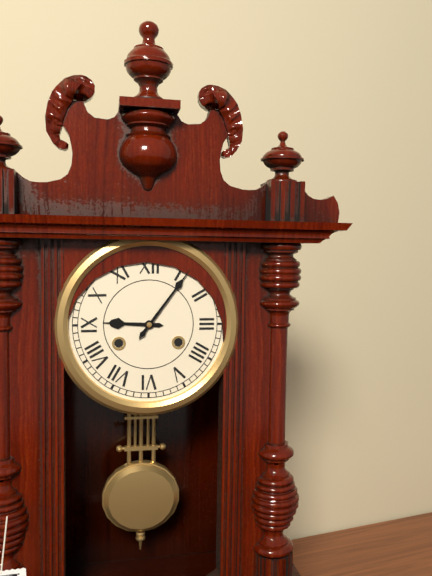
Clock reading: {"hour": 9, "minute": 6}
